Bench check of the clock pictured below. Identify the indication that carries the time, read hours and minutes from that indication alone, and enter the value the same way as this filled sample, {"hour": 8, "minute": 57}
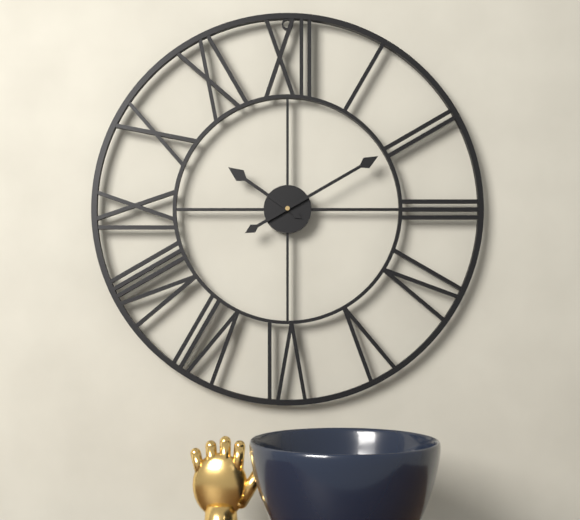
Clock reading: {"hour": 10, "minute": 10}
